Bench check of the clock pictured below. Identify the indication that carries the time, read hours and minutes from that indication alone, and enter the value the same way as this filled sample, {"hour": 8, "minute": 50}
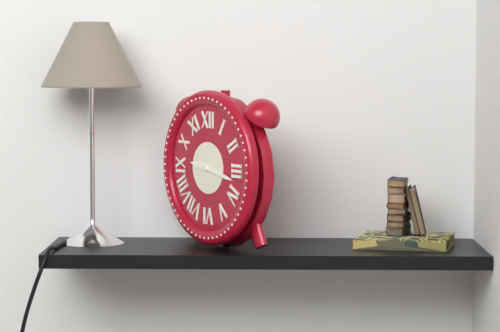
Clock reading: {"hour": 9, "minute": 17}
